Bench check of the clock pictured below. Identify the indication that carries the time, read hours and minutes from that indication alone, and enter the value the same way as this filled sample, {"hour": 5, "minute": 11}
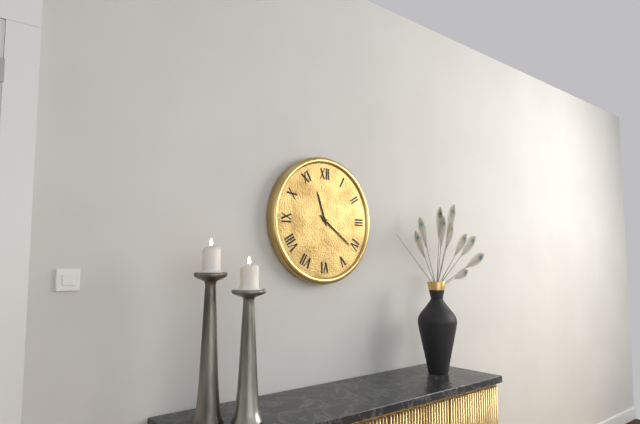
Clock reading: {"hour": 11, "minute": 21}
